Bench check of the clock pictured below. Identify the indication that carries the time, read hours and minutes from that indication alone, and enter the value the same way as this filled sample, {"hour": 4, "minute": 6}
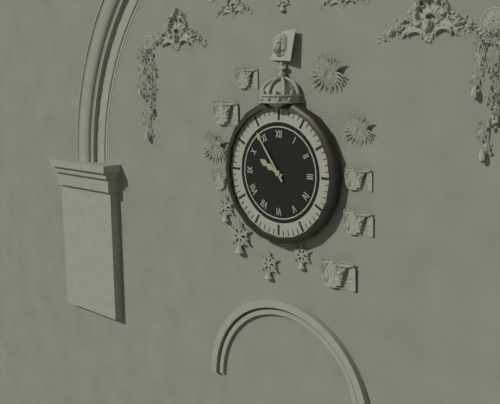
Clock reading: {"hour": 9, "minute": 54}
